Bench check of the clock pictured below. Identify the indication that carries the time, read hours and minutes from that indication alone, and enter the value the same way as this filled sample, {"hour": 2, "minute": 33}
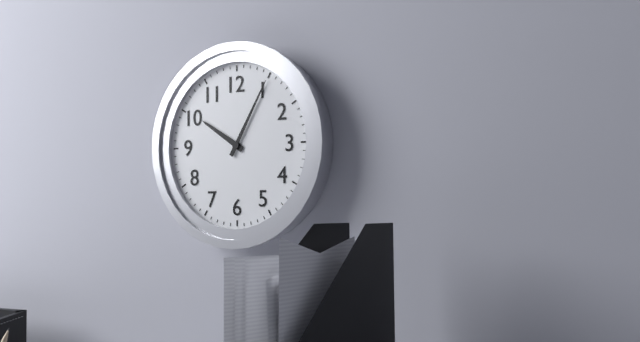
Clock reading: {"hour": 10, "minute": 5}
